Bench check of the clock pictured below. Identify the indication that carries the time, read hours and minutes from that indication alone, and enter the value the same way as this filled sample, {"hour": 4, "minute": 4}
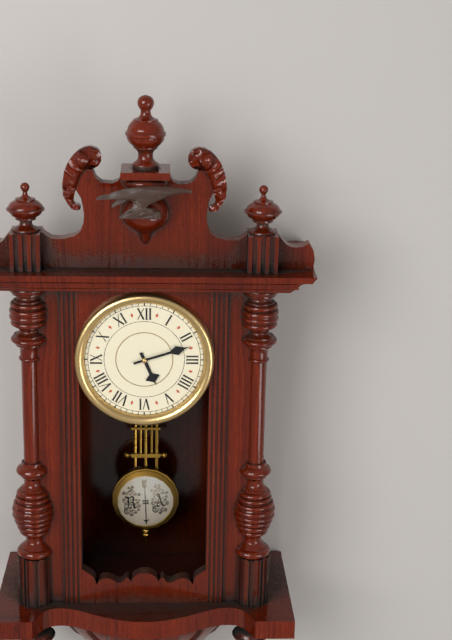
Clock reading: {"hour": 5, "minute": 12}
